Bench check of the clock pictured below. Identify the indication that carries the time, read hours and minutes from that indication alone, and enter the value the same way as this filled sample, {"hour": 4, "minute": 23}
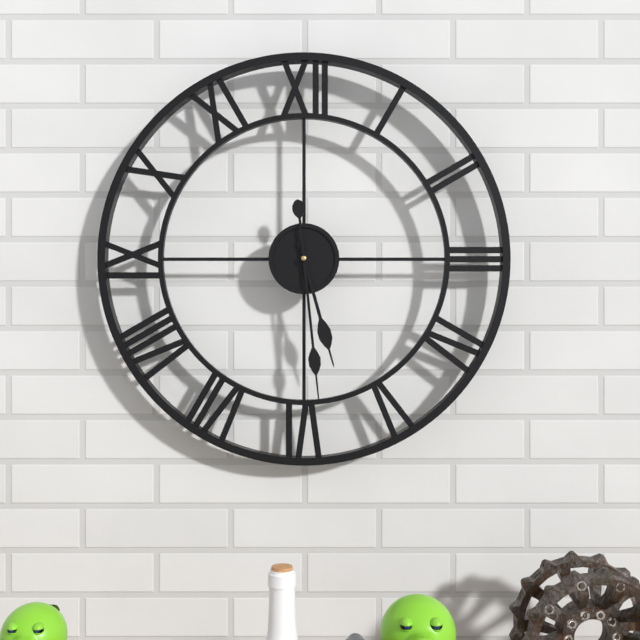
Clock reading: {"hour": 5, "minute": 29}
